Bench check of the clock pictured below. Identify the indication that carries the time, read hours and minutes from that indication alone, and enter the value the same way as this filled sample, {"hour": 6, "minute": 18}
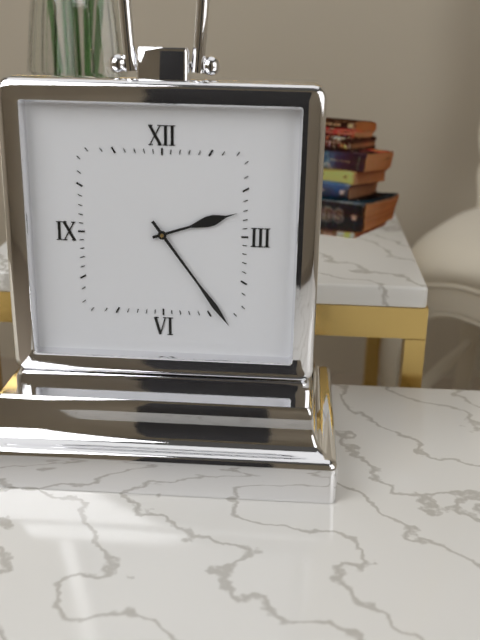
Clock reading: {"hour": 2, "minute": 24}
